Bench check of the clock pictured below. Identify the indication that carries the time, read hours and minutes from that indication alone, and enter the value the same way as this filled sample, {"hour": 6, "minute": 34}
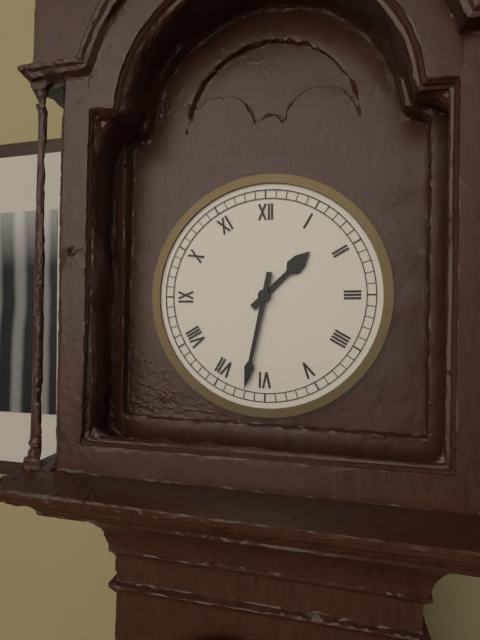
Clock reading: {"hour": 1, "minute": 32}
